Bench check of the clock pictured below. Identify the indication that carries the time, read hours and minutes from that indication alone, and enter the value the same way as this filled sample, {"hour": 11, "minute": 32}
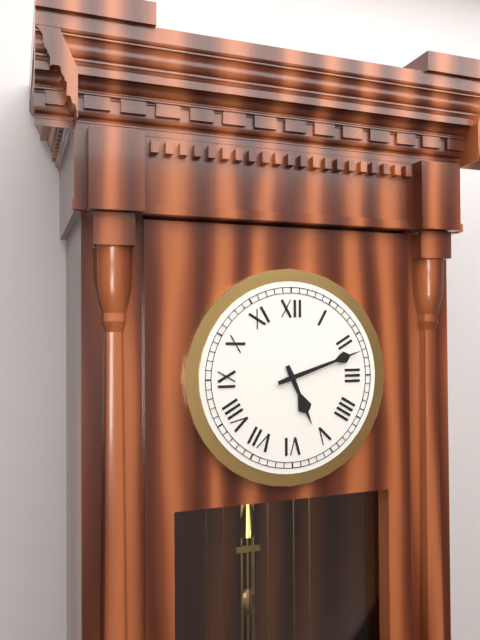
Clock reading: {"hour": 5, "minute": 12}
